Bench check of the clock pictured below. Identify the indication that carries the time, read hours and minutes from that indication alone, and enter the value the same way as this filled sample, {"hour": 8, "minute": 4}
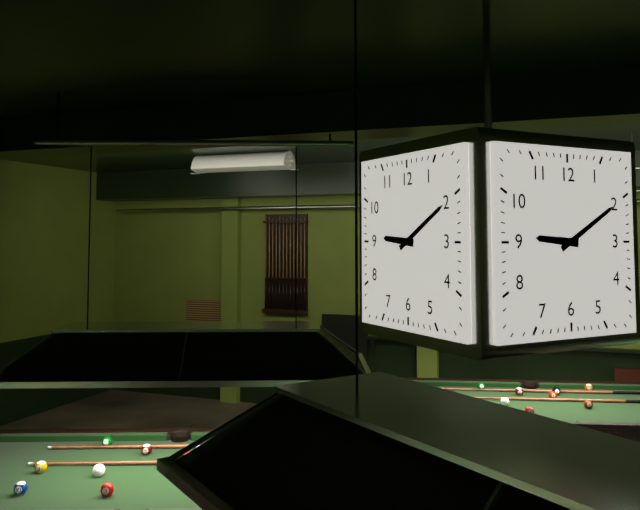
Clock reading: {"hour": 9, "minute": 10}
